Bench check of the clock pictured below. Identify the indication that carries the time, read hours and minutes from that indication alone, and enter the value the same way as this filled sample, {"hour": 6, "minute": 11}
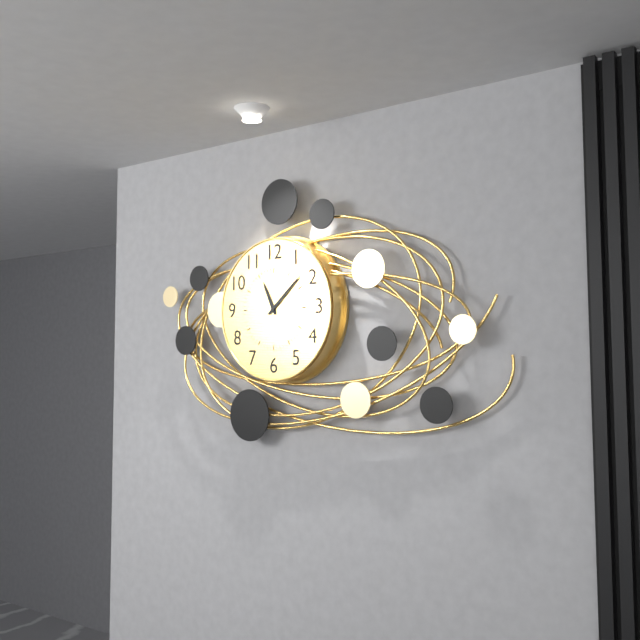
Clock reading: {"hour": 11, "minute": 8}
